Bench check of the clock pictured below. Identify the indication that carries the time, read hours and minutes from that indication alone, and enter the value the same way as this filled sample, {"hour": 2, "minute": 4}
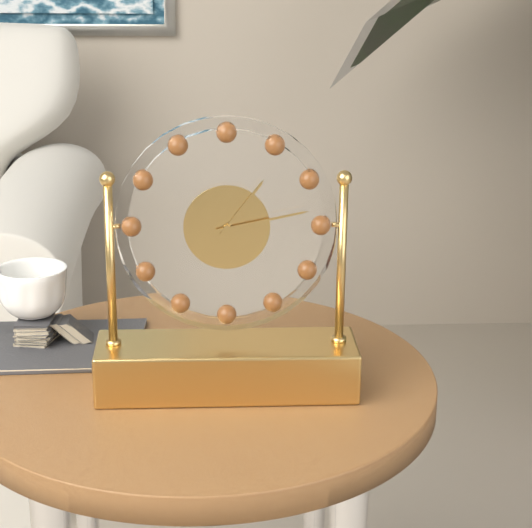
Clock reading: {"hour": 1, "minute": 13}
